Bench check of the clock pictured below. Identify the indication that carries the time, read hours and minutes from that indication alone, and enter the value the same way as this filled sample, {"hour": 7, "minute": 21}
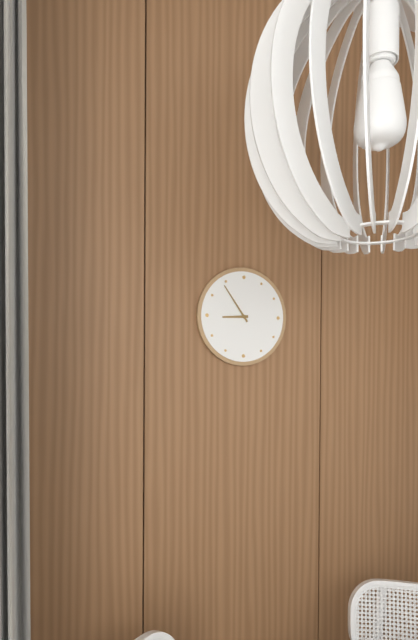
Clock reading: {"hour": 8, "minute": 54}
